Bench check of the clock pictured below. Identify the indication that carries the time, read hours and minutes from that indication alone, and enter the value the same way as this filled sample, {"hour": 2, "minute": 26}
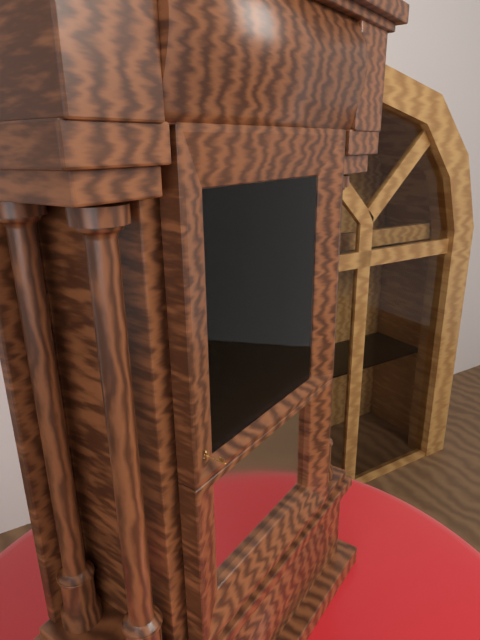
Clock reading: {"hour": 8, "minute": 33}
